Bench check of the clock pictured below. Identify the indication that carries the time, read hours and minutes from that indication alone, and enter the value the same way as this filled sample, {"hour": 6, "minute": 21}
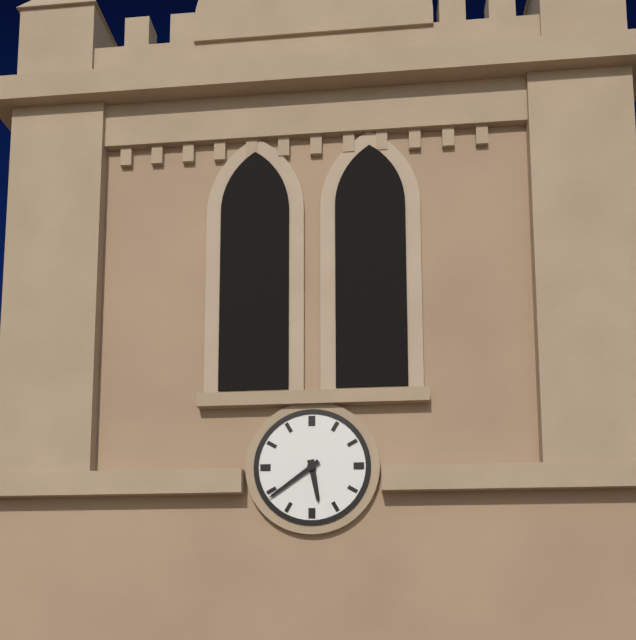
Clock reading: {"hour": 5, "minute": 39}
